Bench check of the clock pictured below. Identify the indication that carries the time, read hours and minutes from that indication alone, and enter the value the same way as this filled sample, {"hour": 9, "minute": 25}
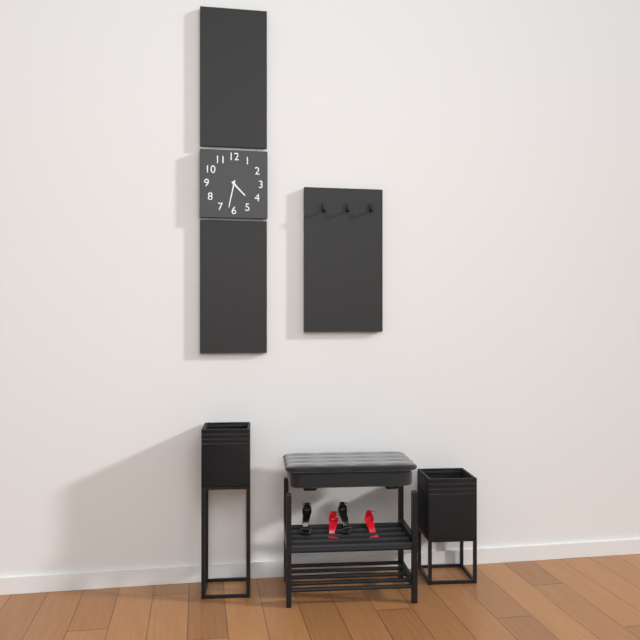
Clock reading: {"hour": 4, "minute": 32}
